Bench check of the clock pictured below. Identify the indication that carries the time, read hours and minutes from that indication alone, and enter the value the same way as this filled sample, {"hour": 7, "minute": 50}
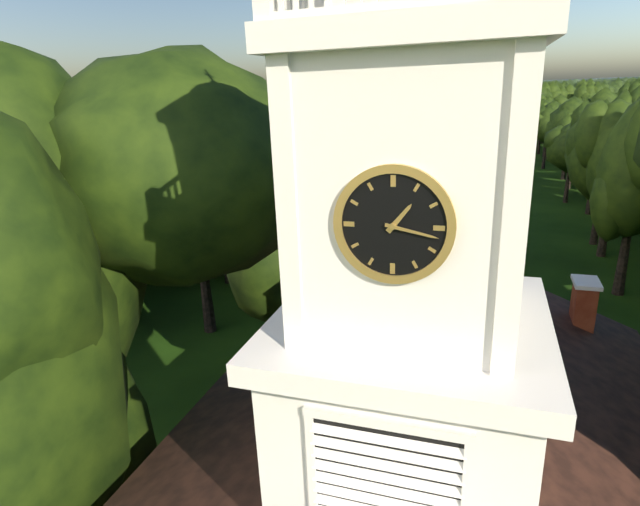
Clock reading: {"hour": 1, "minute": 17}
